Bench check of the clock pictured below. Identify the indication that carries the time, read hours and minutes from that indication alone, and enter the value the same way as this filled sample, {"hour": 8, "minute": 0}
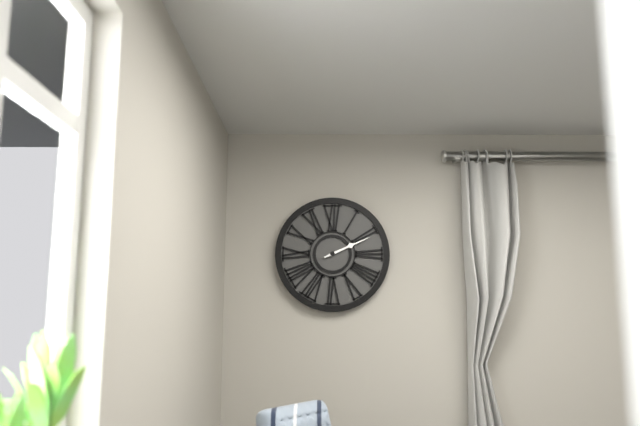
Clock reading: {"hour": 2, "minute": 11}
